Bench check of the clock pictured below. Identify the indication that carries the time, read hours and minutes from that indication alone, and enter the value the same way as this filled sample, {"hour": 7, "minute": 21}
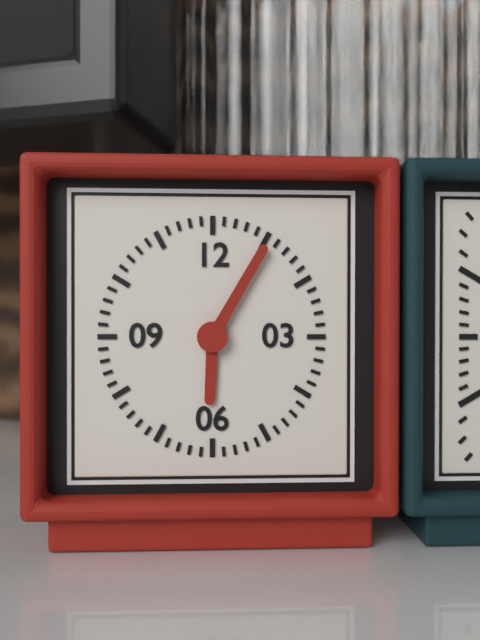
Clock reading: {"hour": 6, "minute": 5}
